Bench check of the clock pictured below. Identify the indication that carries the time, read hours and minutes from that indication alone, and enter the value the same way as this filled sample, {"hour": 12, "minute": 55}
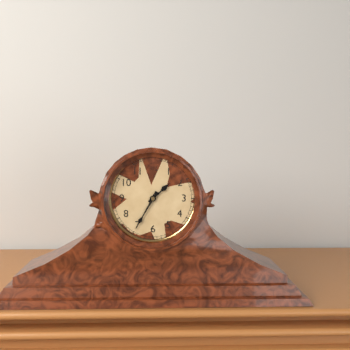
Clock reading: {"hour": 1, "minute": 35}
